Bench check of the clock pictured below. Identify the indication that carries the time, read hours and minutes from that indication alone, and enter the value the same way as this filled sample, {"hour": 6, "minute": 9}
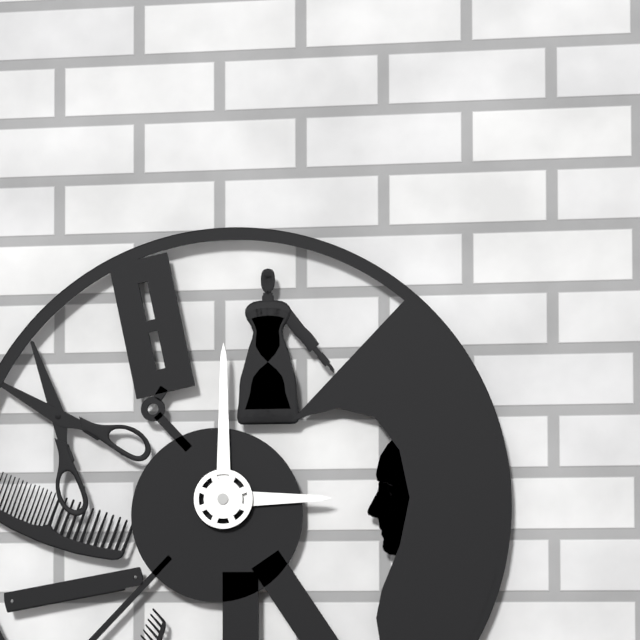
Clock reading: {"hour": 3, "minute": 0}
